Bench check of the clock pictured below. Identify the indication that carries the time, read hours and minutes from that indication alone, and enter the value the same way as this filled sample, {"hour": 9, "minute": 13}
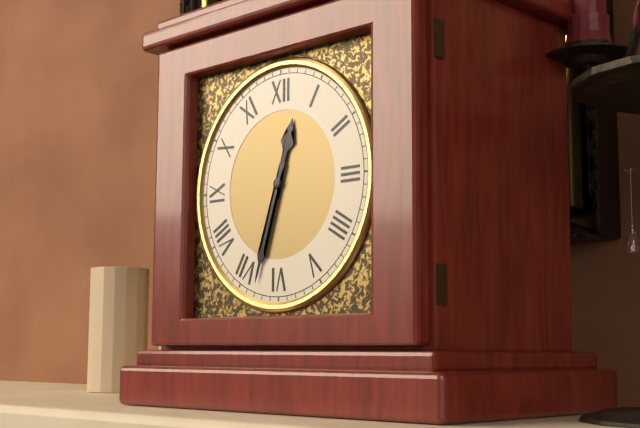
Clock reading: {"hour": 12, "minute": 33}
